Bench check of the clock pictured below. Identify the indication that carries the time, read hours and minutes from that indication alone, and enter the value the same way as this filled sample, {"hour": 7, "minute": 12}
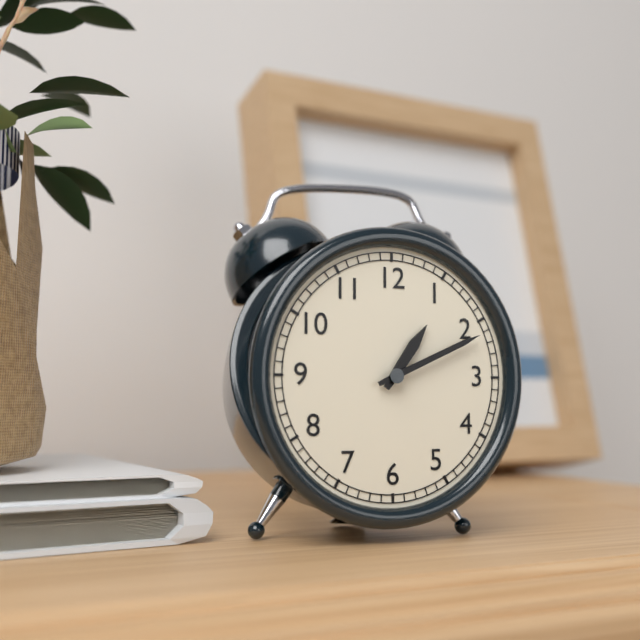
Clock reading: {"hour": 1, "minute": 11}
